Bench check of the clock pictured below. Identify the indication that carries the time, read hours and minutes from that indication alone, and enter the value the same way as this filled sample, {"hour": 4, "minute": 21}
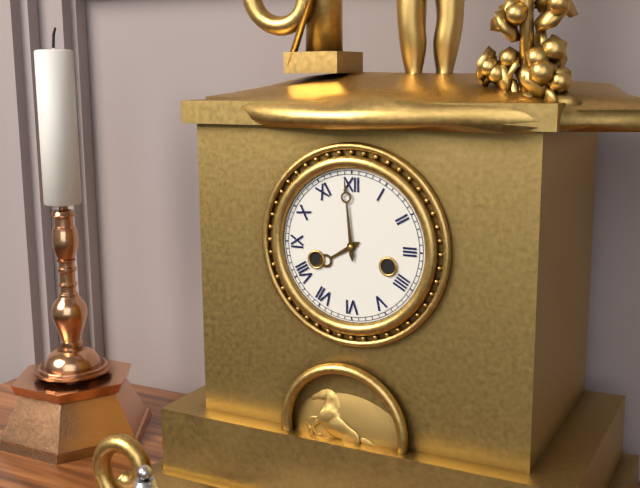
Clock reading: {"hour": 7, "minute": 59}
